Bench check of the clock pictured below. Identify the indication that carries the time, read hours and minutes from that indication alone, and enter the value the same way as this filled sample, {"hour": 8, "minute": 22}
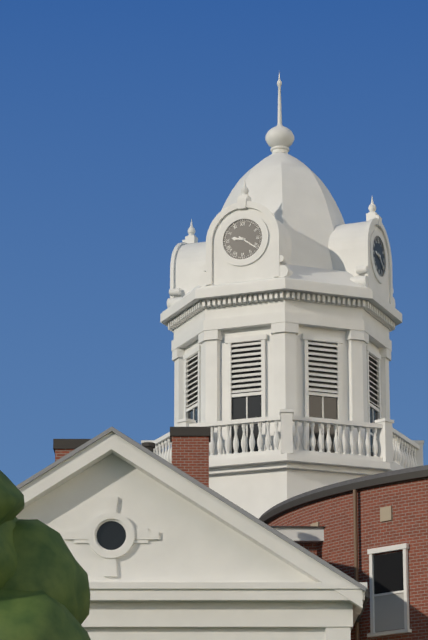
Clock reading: {"hour": 9, "minute": 21}
